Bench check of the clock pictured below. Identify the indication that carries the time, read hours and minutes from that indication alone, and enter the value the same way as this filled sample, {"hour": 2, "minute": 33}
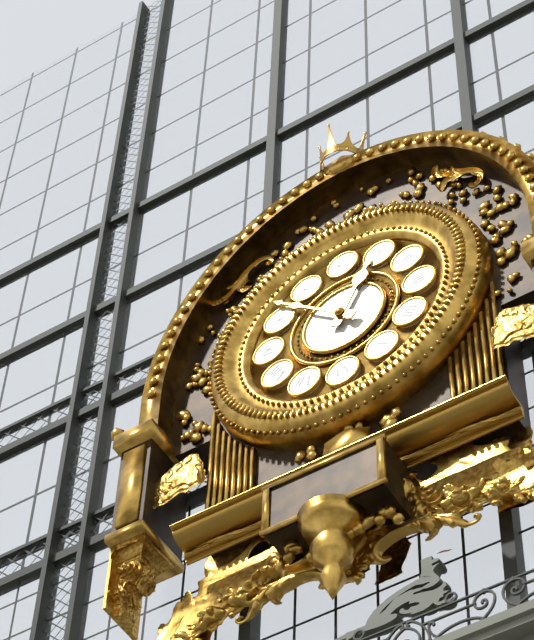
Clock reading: {"hour": 12, "minute": 52}
